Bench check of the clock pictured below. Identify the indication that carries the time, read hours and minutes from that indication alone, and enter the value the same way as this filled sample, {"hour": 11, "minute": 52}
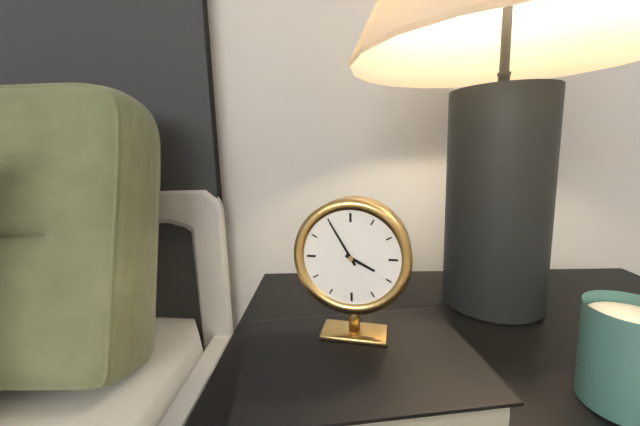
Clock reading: {"hour": 3, "minute": 55}
